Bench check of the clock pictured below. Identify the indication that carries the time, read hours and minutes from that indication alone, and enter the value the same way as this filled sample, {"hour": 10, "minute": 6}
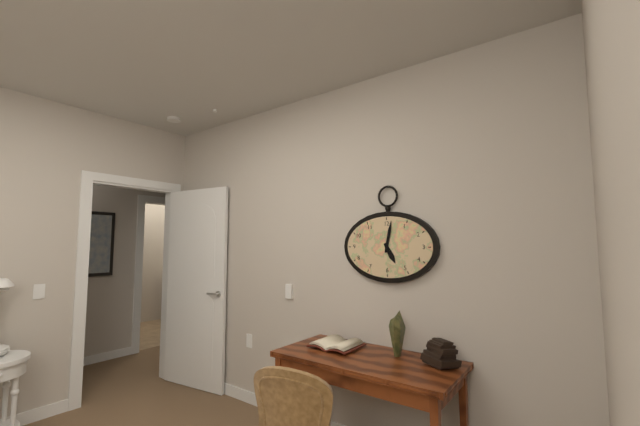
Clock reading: {"hour": 5, "minute": 2}
